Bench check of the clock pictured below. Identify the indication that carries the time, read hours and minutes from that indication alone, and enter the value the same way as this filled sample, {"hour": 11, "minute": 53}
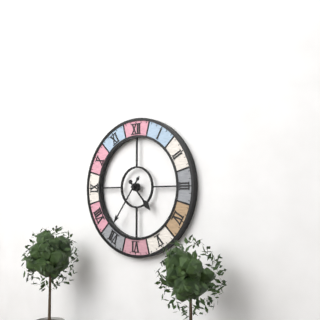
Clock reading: {"hour": 4, "minute": 36}
